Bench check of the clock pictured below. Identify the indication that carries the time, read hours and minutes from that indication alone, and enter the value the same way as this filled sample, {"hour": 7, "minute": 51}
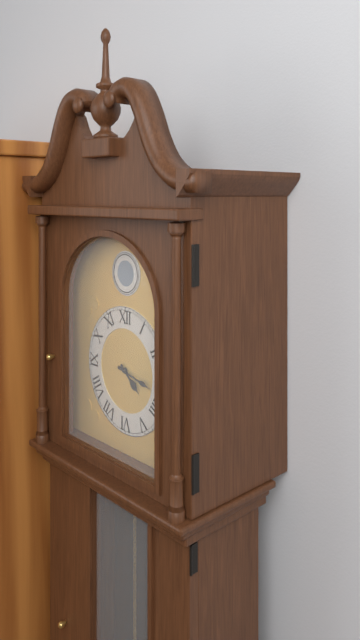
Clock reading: {"hour": 4, "minute": 17}
